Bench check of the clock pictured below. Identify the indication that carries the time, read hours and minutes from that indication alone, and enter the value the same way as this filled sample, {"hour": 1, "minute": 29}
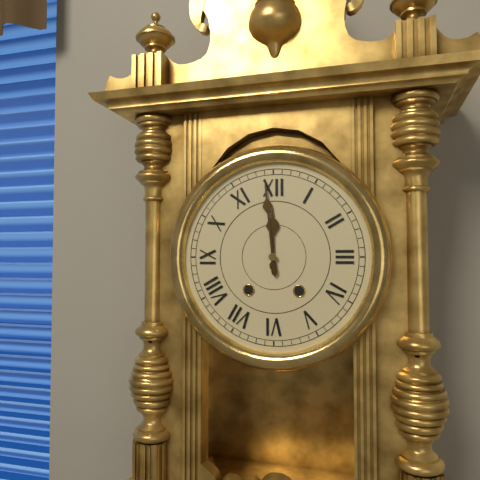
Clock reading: {"hour": 11, "minute": 59}
